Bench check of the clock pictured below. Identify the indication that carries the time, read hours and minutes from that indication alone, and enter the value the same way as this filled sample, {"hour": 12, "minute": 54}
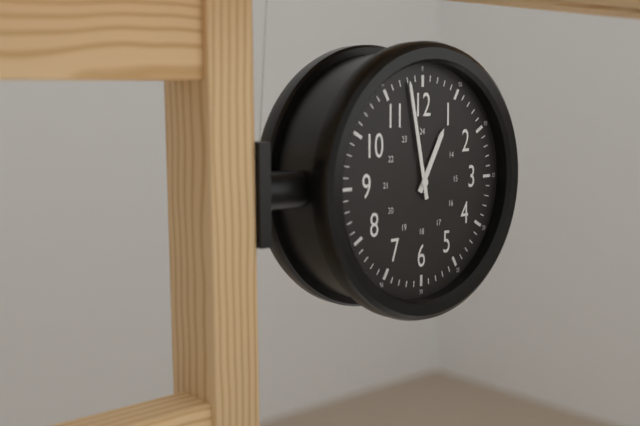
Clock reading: {"hour": 12, "minute": 58}
